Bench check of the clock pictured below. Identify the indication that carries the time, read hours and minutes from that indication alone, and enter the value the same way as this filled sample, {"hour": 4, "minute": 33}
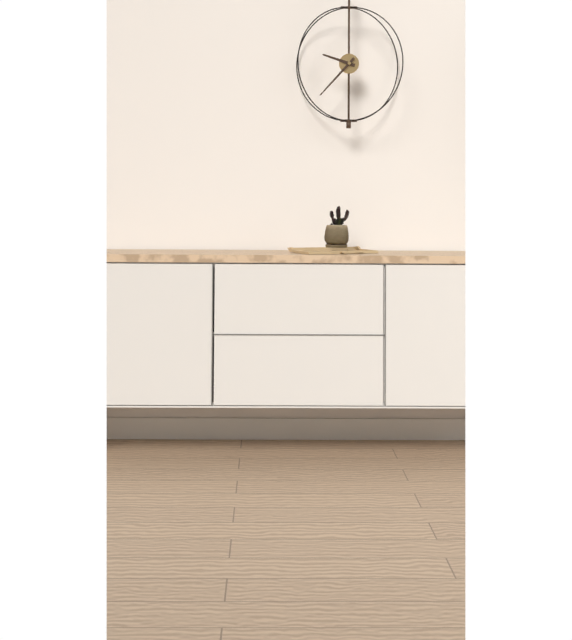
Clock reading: {"hour": 9, "minute": 37}
